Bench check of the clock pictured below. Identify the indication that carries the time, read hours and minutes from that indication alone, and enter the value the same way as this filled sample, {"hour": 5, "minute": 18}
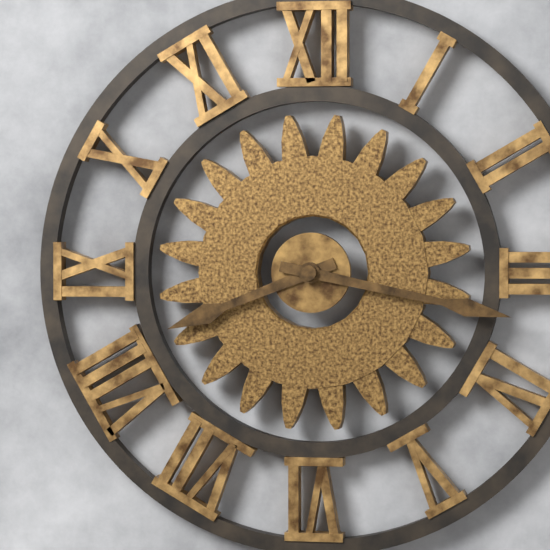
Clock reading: {"hour": 8, "minute": 17}
